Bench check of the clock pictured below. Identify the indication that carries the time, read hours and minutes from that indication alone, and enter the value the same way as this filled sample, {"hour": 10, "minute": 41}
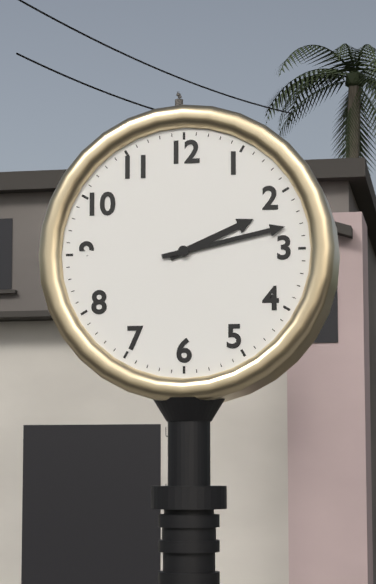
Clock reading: {"hour": 2, "minute": 13}
